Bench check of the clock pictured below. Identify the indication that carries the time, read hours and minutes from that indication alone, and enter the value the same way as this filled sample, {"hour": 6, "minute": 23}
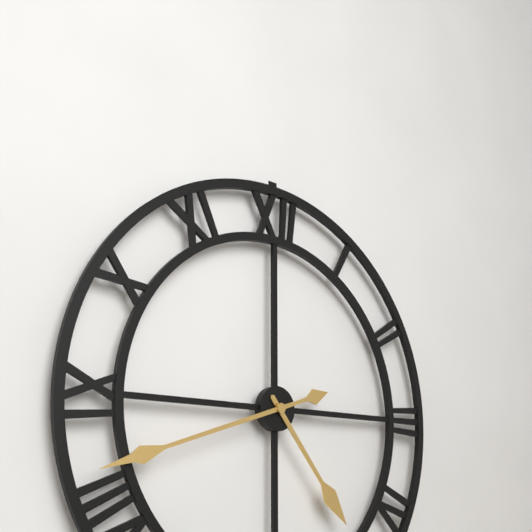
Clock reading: {"hour": 4, "minute": 42}
